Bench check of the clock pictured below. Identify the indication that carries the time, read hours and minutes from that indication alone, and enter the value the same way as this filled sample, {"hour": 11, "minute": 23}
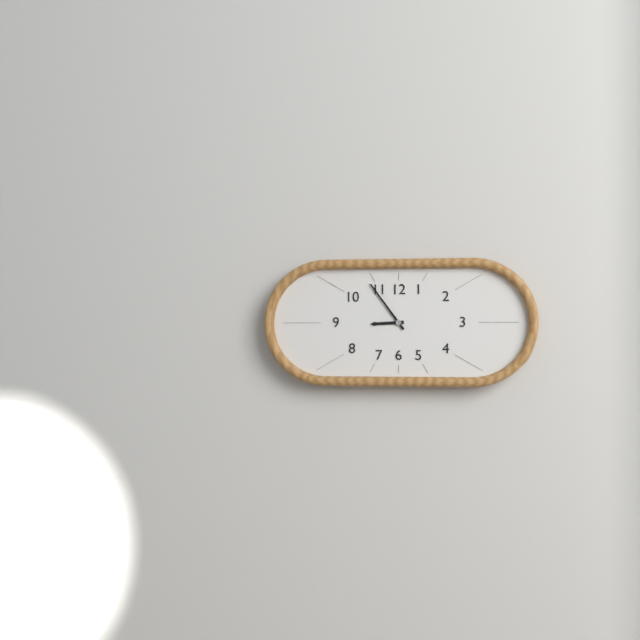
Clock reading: {"hour": 8, "minute": 54}
